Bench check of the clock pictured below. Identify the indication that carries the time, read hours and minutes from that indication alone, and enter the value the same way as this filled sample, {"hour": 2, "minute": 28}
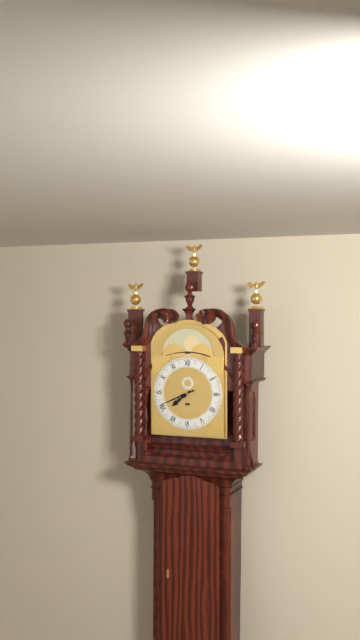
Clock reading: {"hour": 7, "minute": 41}
